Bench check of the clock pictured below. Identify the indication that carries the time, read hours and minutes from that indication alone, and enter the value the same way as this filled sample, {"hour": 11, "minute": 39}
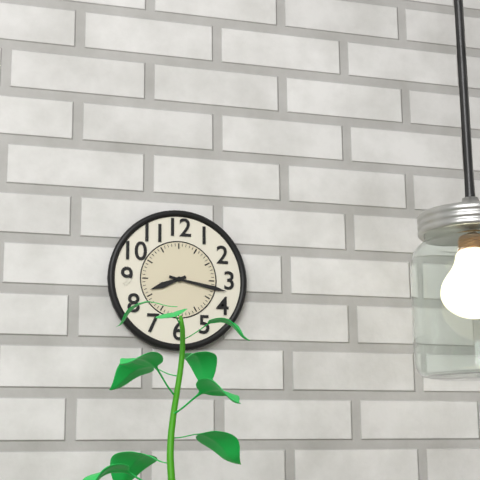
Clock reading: {"hour": 8, "minute": 17}
